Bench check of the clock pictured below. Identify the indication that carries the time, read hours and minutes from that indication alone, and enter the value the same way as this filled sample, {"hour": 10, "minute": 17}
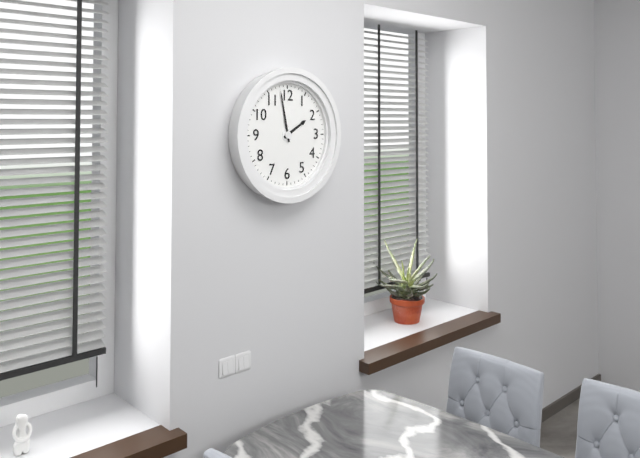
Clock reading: {"hour": 1, "minute": 58}
